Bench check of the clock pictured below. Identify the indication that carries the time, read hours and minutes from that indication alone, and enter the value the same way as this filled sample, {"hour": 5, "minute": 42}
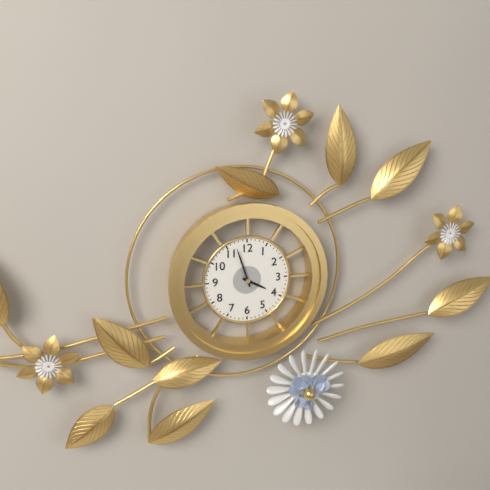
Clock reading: {"hour": 3, "minute": 57}
